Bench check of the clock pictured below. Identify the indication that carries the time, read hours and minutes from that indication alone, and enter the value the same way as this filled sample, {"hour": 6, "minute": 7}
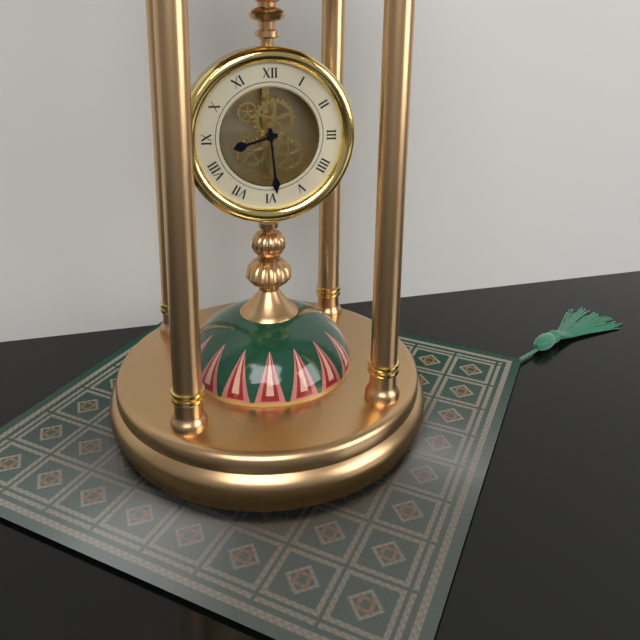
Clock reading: {"hour": 8, "minute": 29}
